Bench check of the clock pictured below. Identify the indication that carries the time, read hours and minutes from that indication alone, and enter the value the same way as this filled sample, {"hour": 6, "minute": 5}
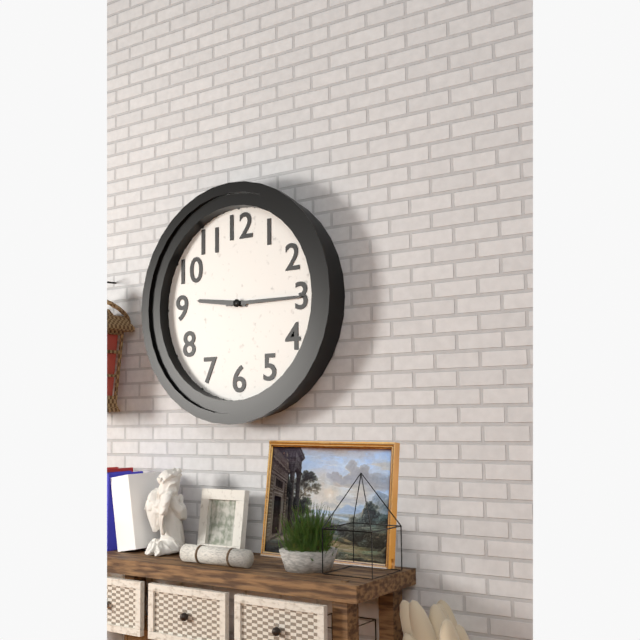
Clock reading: {"hour": 9, "minute": 15}
